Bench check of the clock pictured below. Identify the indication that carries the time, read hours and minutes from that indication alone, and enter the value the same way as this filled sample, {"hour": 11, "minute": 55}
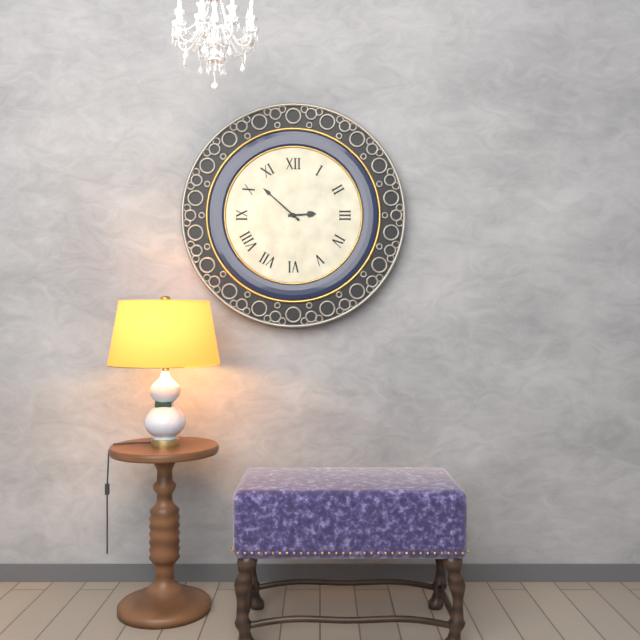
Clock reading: {"hour": 2, "minute": 52}
